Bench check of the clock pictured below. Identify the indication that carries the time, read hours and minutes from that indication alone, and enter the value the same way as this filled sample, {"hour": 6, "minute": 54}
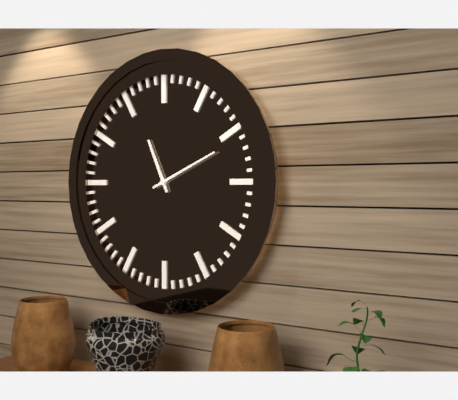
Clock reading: {"hour": 11, "minute": 11}
